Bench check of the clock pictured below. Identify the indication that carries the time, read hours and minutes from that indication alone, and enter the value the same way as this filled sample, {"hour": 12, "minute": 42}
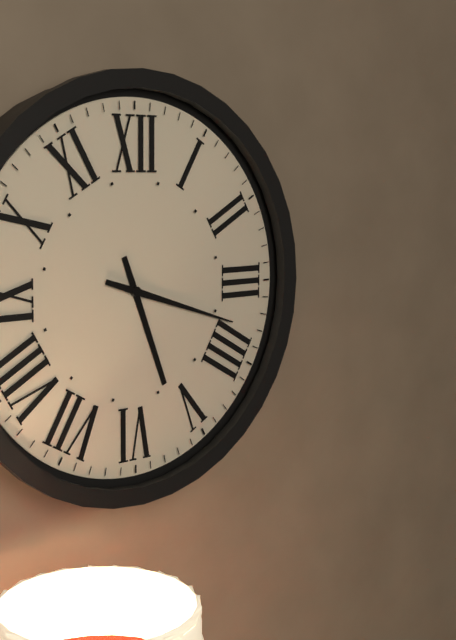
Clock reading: {"hour": 5, "minute": 18}
